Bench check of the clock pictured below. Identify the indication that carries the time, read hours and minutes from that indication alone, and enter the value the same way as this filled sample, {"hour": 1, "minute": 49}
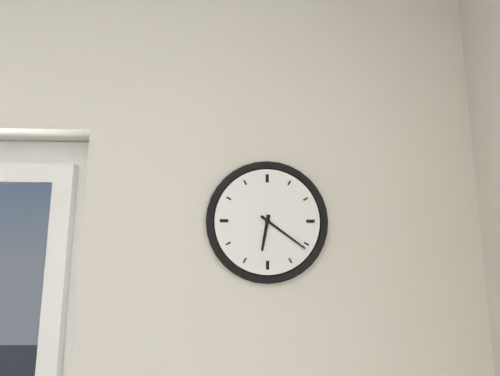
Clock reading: {"hour": 6, "minute": 21}
